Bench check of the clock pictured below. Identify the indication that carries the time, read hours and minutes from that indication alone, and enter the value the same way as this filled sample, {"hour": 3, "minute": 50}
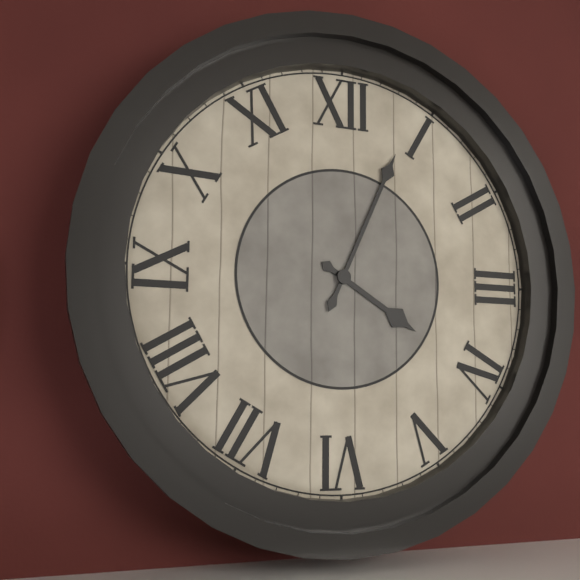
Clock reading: {"hour": 4, "minute": 4}
